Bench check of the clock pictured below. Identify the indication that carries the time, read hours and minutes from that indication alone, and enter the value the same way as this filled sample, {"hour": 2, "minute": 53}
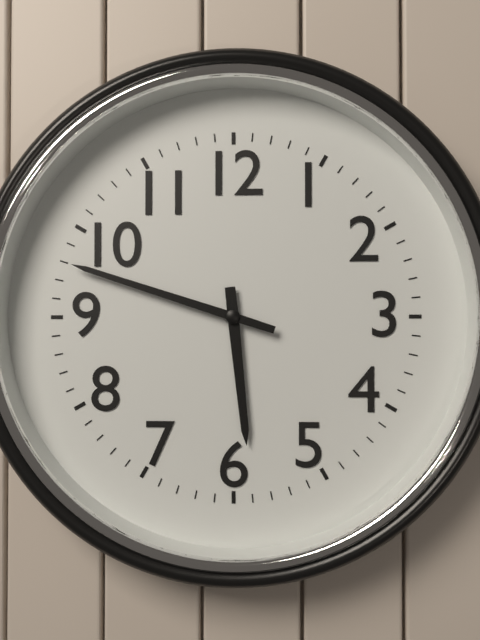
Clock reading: {"hour": 5, "minute": 48}
